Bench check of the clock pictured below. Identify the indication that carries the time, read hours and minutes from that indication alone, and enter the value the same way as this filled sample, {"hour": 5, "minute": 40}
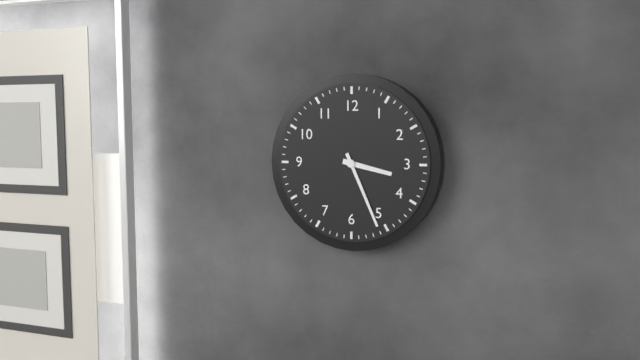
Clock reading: {"hour": 3, "minute": 26}
